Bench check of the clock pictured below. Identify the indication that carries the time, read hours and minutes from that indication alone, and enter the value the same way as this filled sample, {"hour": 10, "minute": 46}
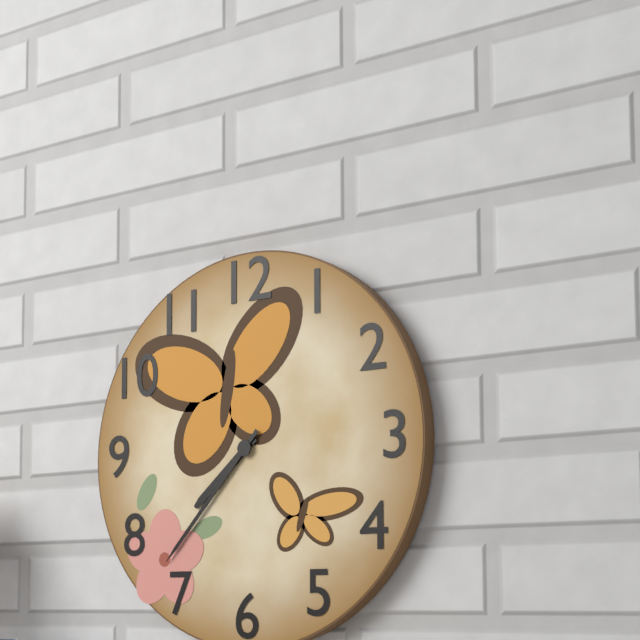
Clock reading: {"hour": 7, "minute": 37}
